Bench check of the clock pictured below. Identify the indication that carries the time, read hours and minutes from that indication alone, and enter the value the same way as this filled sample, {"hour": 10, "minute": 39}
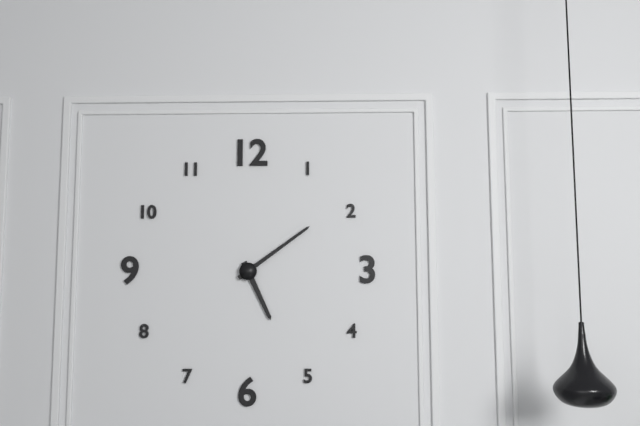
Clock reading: {"hour": 5, "minute": 9}
